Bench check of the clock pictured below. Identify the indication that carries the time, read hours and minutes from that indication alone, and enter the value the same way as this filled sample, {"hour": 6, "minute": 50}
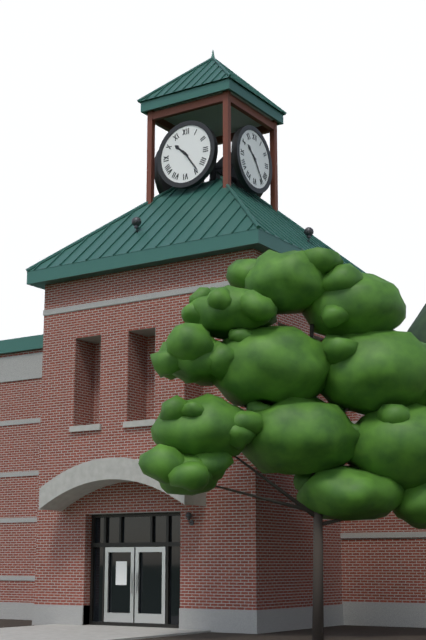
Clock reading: {"hour": 10, "minute": 24}
